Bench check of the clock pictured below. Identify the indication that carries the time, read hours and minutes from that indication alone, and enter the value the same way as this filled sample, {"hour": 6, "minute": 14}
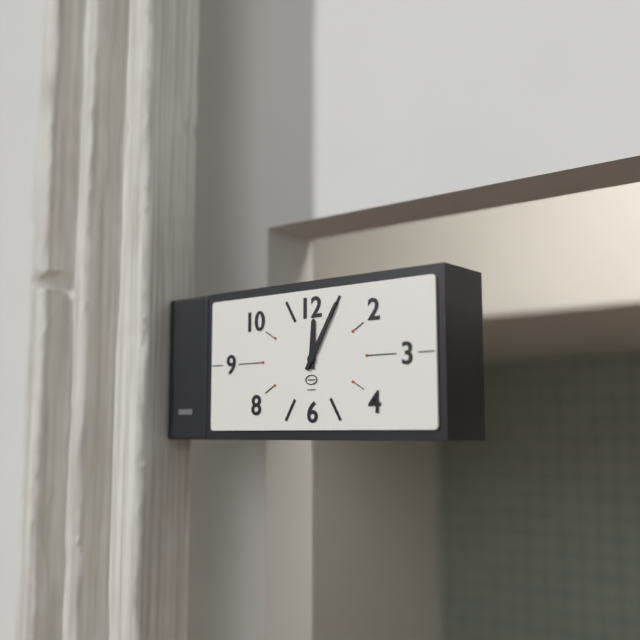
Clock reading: {"hour": 12, "minute": 5}
